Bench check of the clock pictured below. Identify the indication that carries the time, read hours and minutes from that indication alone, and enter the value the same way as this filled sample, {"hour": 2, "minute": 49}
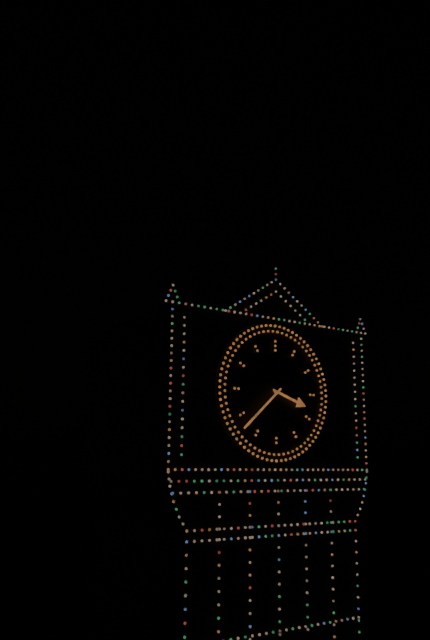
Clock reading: {"hour": 3, "minute": 38}
